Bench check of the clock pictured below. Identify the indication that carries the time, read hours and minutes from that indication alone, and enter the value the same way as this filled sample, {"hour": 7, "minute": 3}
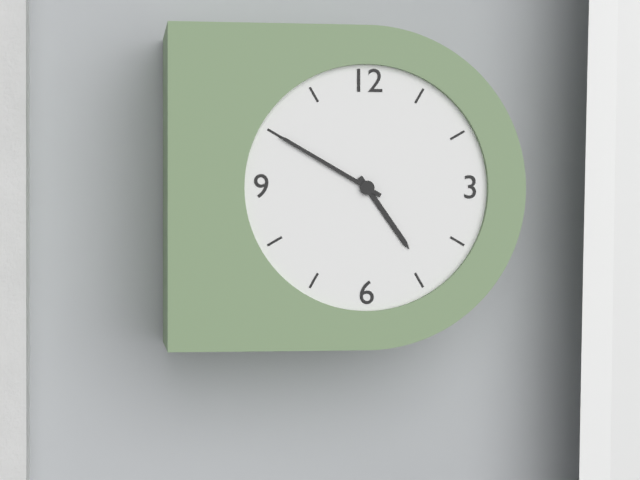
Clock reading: {"hour": 4, "minute": 50}
